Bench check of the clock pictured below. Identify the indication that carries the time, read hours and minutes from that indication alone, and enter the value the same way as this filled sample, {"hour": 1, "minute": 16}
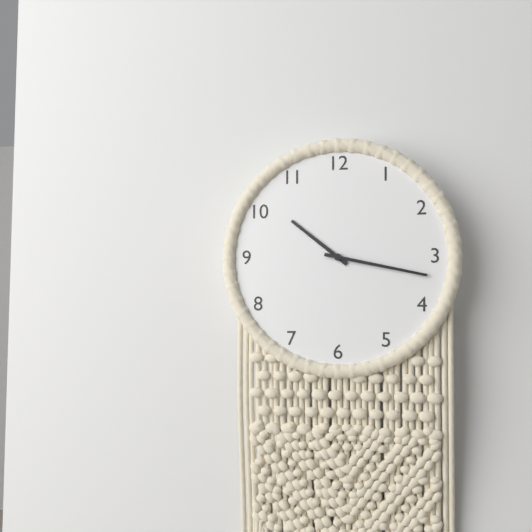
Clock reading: {"hour": 10, "minute": 17}
